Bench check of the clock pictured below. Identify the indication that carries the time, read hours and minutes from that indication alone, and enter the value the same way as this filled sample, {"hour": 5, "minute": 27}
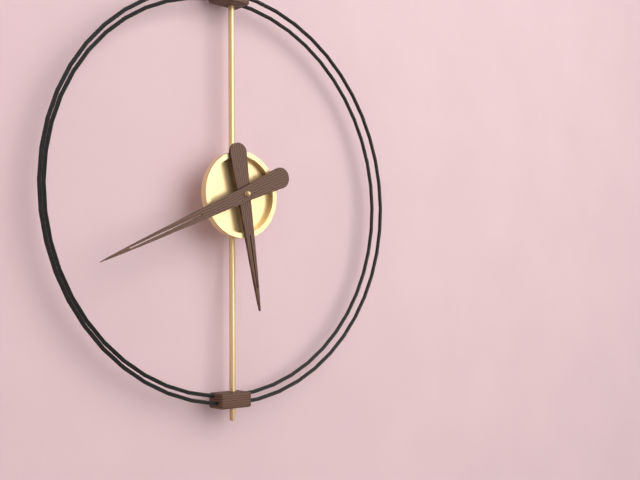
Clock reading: {"hour": 5, "minute": 41}
